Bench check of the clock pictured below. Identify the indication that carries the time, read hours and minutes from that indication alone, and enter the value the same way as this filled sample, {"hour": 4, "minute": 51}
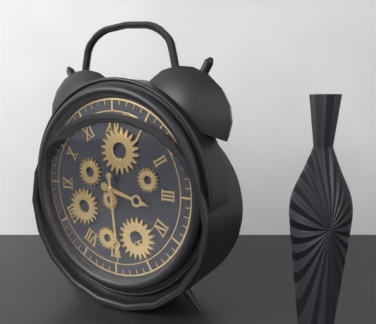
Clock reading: {"hour": 3, "minute": 29}
